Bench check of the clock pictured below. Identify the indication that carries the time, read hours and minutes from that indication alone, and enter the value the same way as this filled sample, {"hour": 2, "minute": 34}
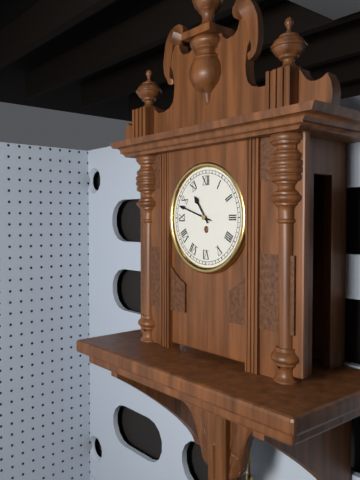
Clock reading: {"hour": 10, "minute": 48}
